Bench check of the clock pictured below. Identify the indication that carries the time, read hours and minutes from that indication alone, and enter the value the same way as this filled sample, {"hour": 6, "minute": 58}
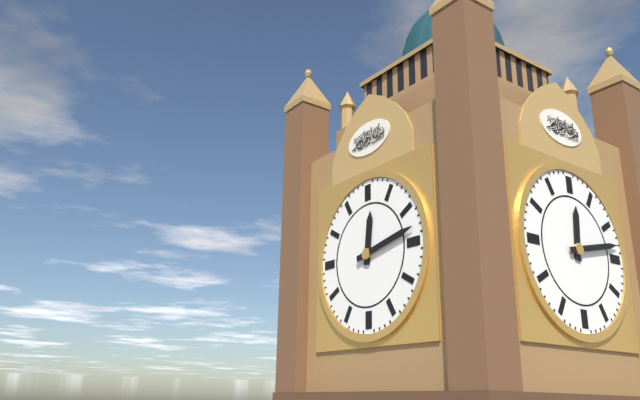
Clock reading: {"hour": 12, "minute": 13}
